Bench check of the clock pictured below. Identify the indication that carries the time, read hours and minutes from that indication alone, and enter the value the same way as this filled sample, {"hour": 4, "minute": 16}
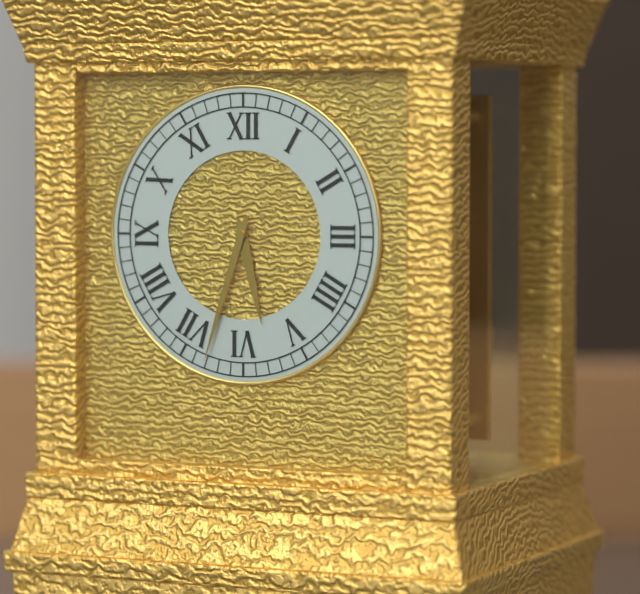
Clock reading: {"hour": 5, "minute": 33}
